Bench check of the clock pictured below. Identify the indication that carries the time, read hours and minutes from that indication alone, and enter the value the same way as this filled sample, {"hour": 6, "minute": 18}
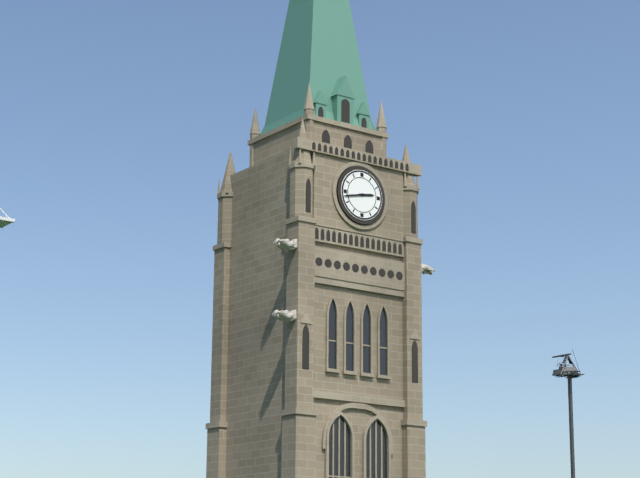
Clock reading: {"hour": 2, "minute": 43}
